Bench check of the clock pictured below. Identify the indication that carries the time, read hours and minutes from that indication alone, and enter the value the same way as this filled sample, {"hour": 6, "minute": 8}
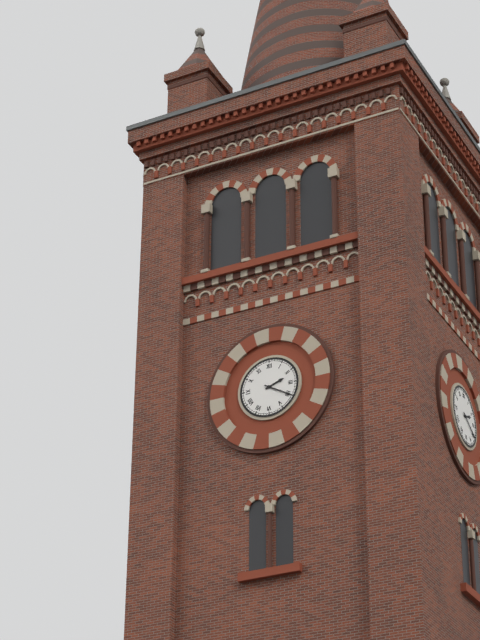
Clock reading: {"hour": 2, "minute": 20}
